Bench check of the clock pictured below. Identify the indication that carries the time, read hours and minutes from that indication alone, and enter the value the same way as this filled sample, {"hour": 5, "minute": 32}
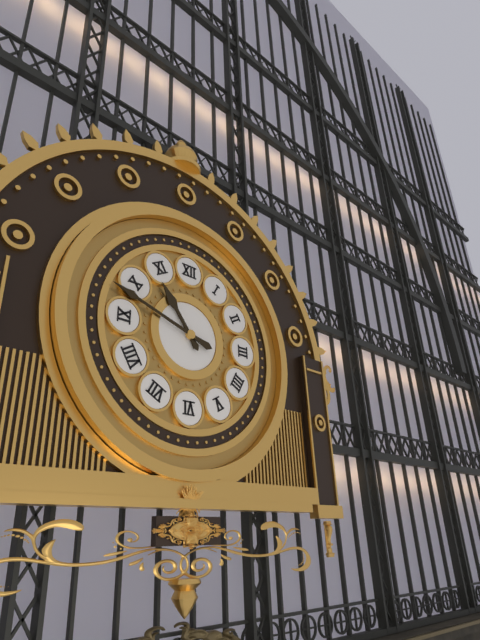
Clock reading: {"hour": 10, "minute": 48}
